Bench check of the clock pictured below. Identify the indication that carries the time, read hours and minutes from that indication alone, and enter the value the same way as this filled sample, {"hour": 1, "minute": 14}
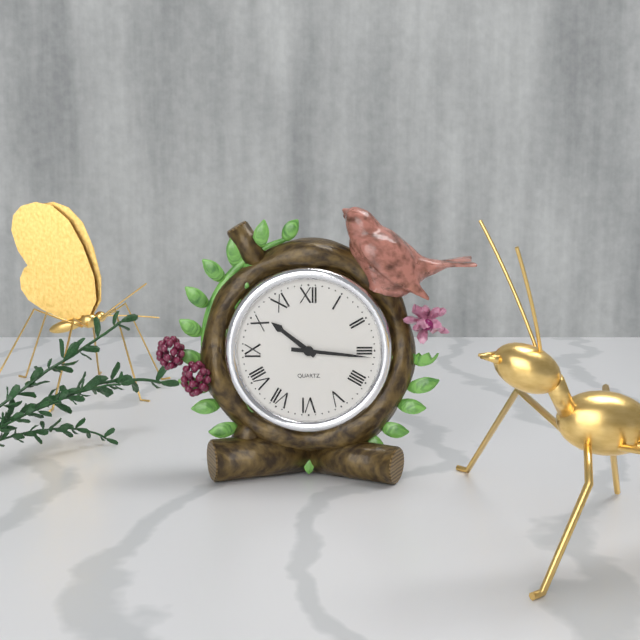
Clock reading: {"hour": 10, "minute": 16}
